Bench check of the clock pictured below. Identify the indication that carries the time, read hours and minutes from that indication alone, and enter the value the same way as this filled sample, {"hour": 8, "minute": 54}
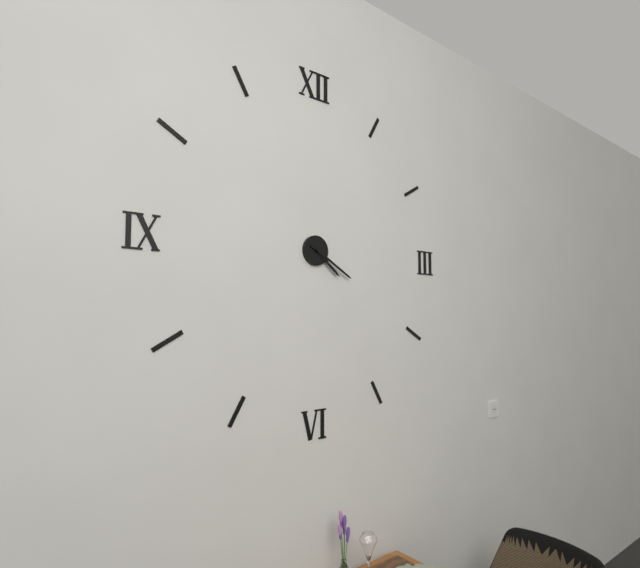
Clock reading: {"hour": 4, "minute": 20}
